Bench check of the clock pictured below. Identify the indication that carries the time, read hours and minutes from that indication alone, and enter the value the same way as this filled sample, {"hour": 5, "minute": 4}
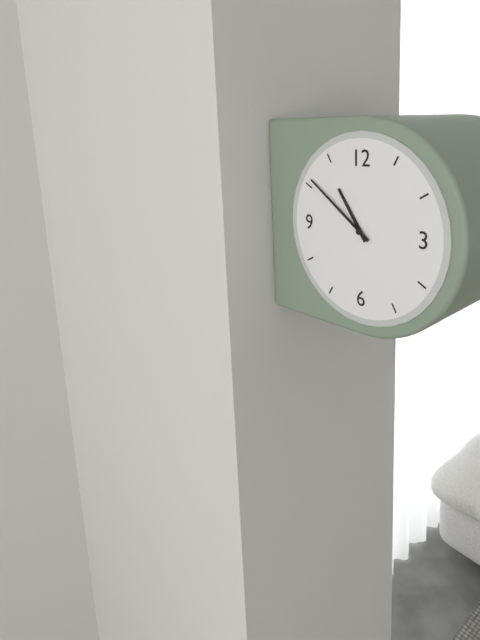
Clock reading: {"hour": 10, "minute": 51}
